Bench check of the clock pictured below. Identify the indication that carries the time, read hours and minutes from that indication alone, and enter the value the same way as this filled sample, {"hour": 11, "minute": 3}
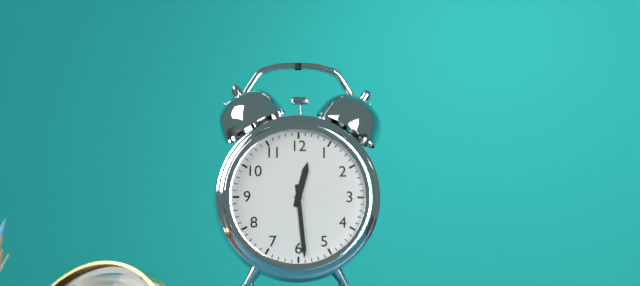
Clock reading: {"hour": 12, "minute": 29}
